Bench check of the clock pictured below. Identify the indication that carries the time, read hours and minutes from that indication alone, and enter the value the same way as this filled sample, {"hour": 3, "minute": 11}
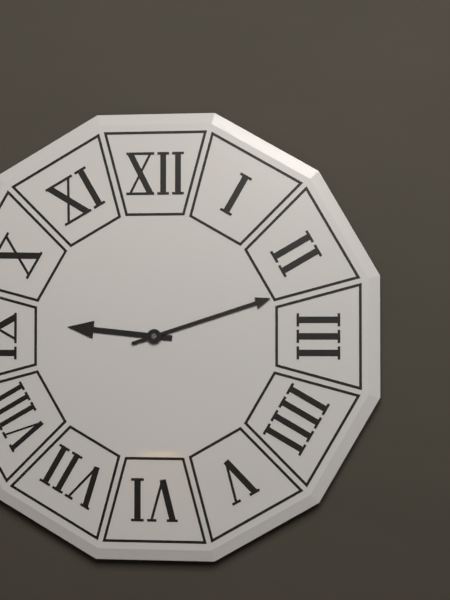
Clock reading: {"hour": 9, "minute": 12}
